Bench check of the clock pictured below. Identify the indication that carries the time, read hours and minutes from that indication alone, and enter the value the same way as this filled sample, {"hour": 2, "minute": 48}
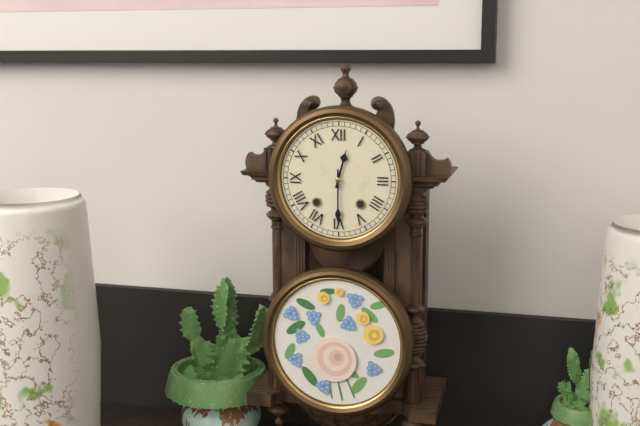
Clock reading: {"hour": 12, "minute": 30}
